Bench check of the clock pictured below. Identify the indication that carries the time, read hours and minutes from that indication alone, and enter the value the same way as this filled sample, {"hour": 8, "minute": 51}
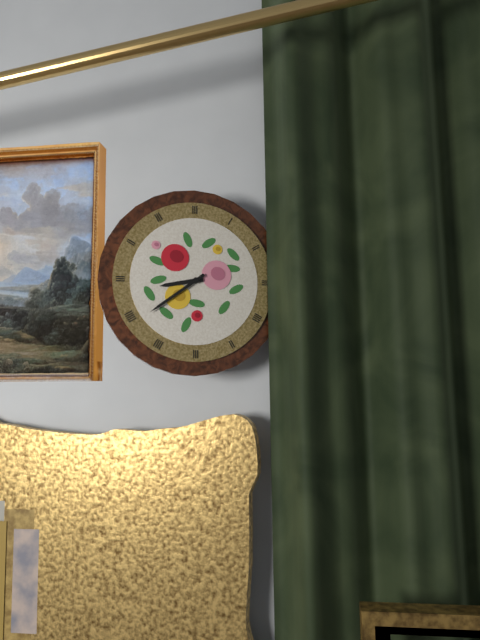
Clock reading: {"hour": 8, "minute": 39}
